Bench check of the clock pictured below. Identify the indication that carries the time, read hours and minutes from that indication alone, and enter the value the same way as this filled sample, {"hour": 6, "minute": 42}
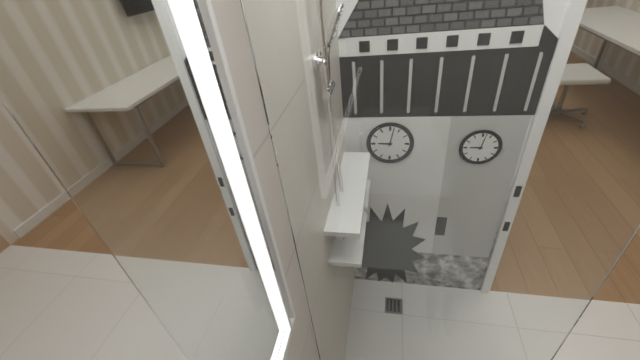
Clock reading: {"hour": 9, "minute": 2}
